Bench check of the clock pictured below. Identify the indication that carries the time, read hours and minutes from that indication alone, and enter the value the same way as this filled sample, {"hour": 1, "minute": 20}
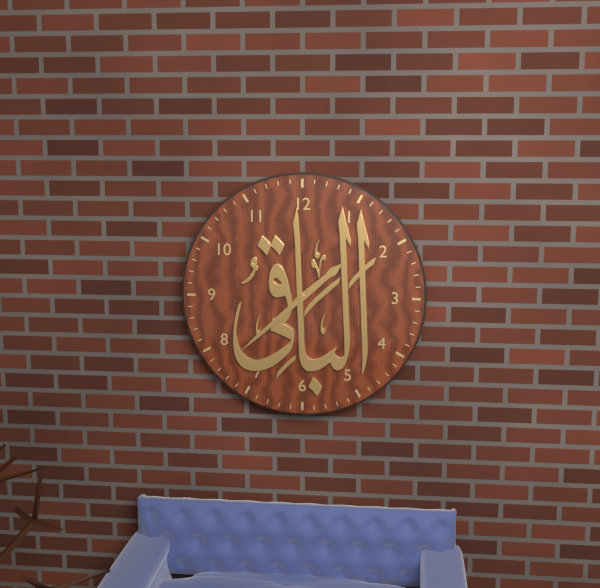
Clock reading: {"hour": 1, "minute": 38}
